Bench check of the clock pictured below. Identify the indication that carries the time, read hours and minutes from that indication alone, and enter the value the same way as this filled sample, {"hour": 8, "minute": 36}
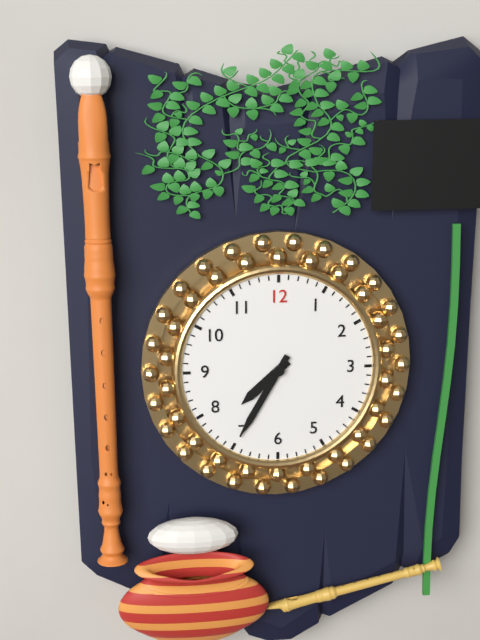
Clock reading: {"hour": 7, "minute": 35}
